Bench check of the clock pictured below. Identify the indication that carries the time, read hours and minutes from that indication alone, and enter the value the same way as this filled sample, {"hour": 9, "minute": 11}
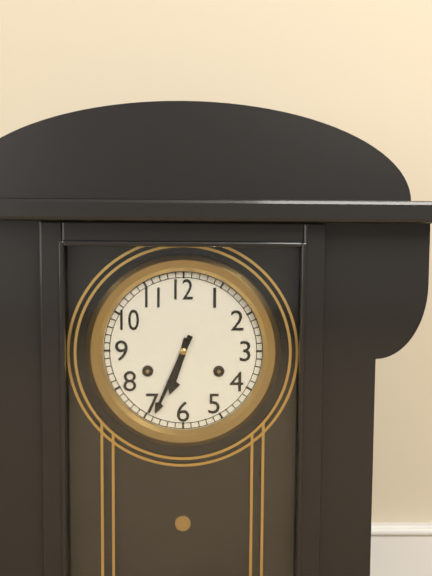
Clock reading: {"hour": 6, "minute": 34}
